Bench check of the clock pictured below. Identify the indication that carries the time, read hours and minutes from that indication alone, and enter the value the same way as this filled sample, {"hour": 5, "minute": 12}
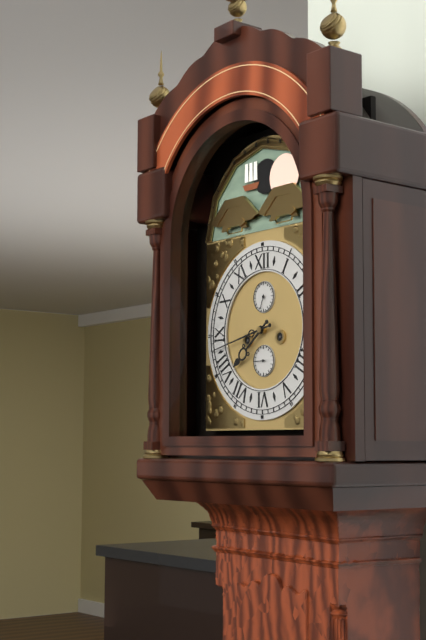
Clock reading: {"hour": 7, "minute": 43}
